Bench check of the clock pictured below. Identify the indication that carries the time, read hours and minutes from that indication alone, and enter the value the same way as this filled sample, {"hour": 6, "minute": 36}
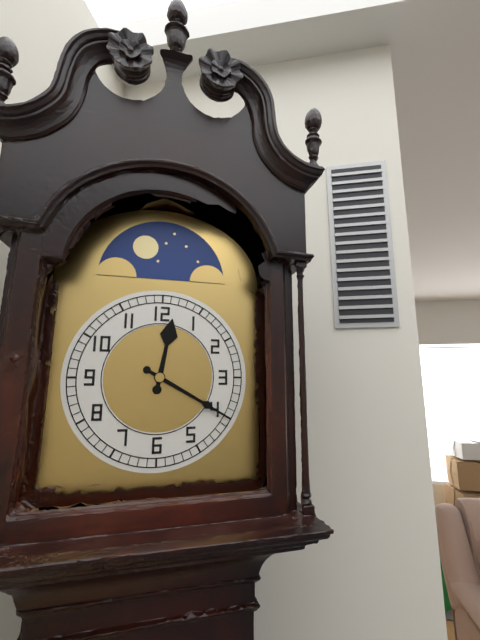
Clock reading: {"hour": 12, "minute": 20}
